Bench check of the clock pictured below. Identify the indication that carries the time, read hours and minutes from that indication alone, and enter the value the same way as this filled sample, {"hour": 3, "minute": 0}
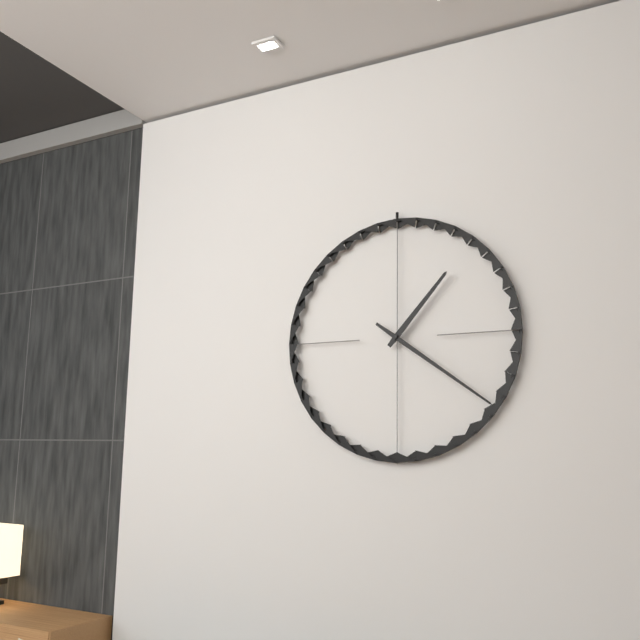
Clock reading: {"hour": 1, "minute": 21}
